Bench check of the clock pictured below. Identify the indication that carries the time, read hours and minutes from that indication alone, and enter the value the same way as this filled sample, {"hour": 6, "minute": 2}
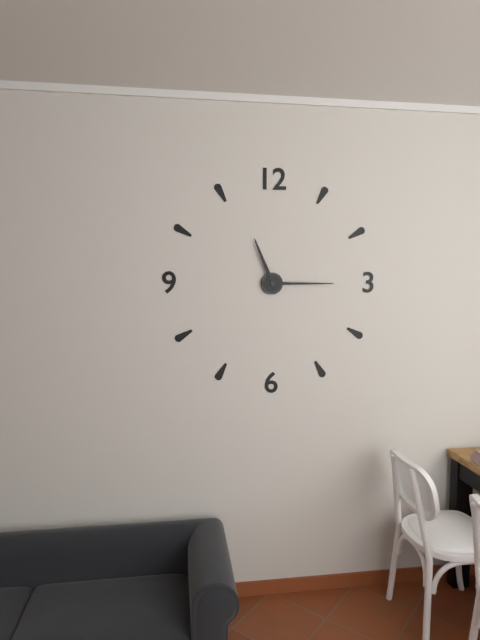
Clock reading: {"hour": 11, "minute": 15}
